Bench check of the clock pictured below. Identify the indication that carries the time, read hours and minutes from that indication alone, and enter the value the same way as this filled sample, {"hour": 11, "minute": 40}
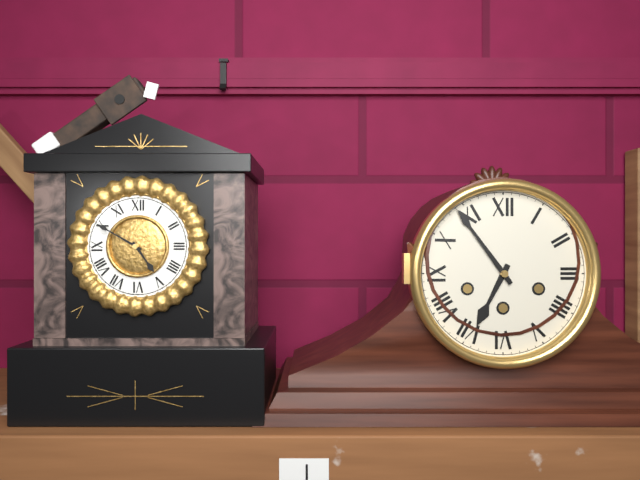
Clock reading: {"hour": 6, "minute": 54}
